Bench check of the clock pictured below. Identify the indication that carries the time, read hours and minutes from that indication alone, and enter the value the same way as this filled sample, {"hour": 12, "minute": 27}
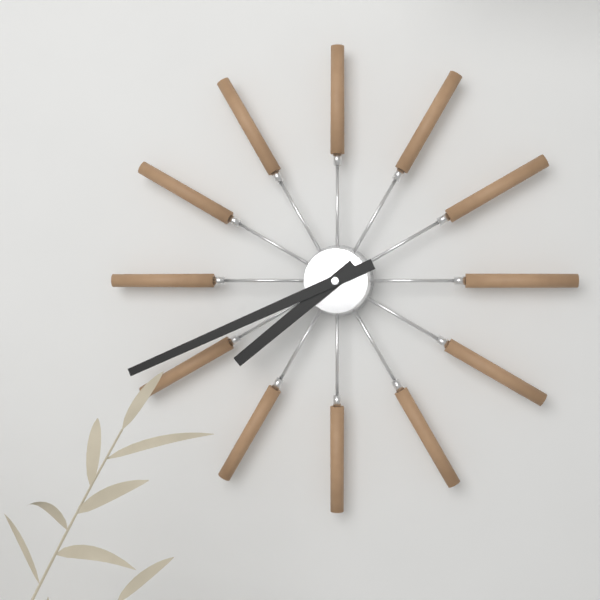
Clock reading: {"hour": 7, "minute": 41}
